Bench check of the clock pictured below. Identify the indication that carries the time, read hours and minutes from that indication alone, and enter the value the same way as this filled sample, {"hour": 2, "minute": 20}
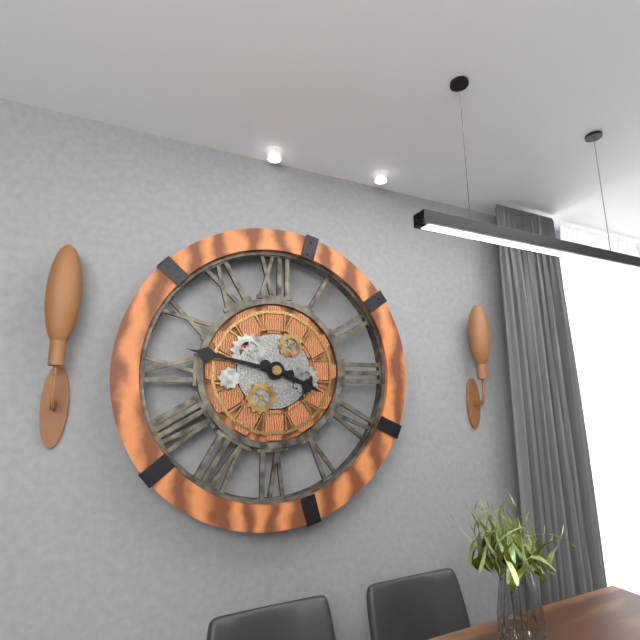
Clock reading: {"hour": 3, "minute": 47}
